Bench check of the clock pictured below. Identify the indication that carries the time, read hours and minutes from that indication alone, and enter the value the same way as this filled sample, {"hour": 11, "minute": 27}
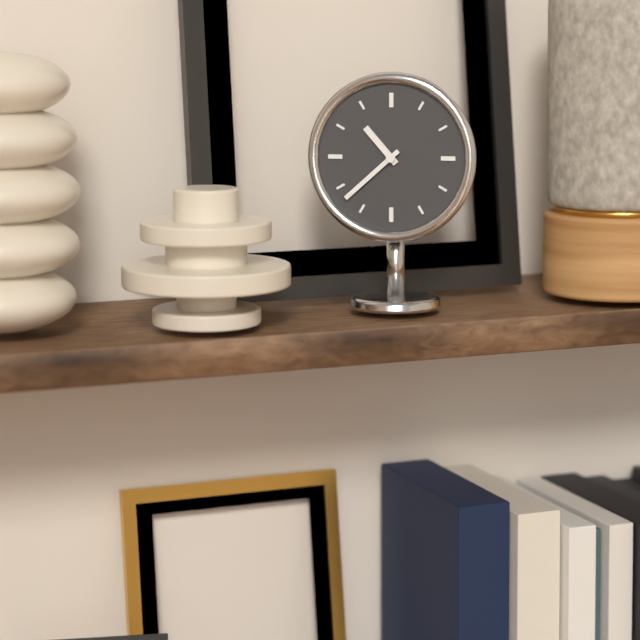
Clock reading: {"hour": 10, "minute": 38}
